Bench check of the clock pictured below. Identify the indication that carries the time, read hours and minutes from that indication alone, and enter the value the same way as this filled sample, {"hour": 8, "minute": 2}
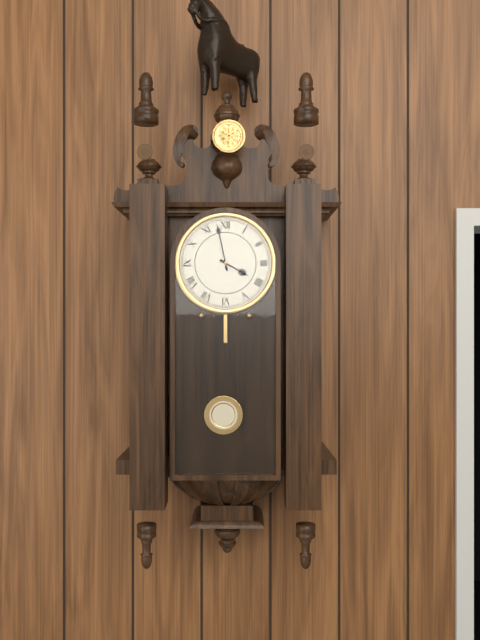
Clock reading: {"hour": 3, "minute": 58}
